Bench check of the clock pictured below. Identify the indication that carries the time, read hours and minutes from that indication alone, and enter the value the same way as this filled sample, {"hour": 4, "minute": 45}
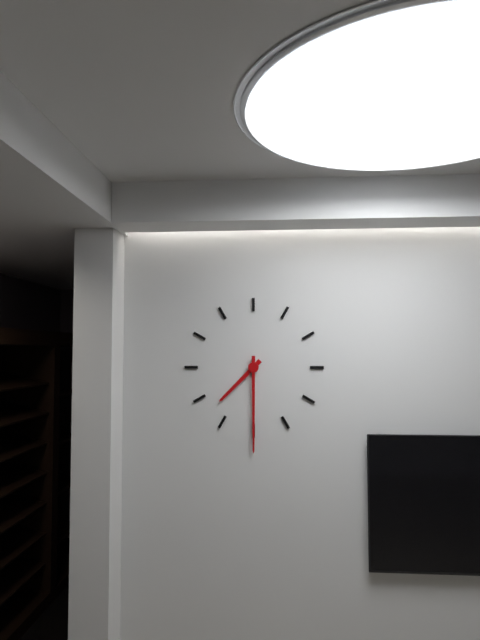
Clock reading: {"hour": 7, "minute": 30}
